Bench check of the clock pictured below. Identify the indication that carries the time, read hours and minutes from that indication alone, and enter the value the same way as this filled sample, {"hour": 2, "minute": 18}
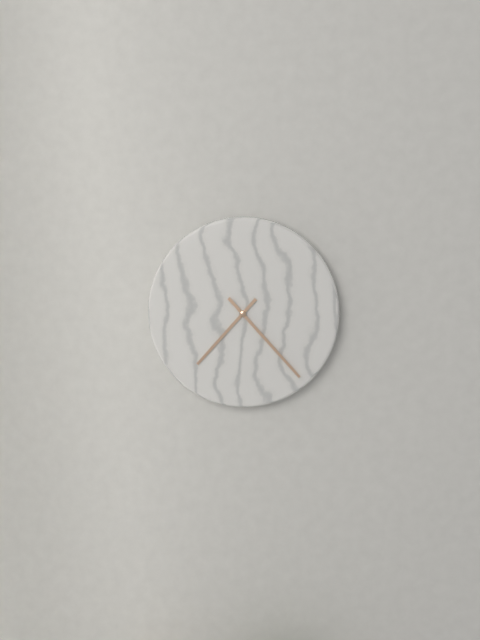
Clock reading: {"hour": 7, "minute": 23}
